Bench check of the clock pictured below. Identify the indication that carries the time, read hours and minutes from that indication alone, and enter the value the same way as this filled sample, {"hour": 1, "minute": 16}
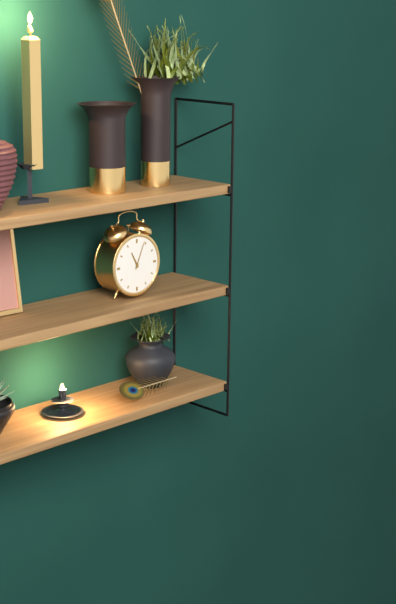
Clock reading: {"hour": 11, "minute": 4}
